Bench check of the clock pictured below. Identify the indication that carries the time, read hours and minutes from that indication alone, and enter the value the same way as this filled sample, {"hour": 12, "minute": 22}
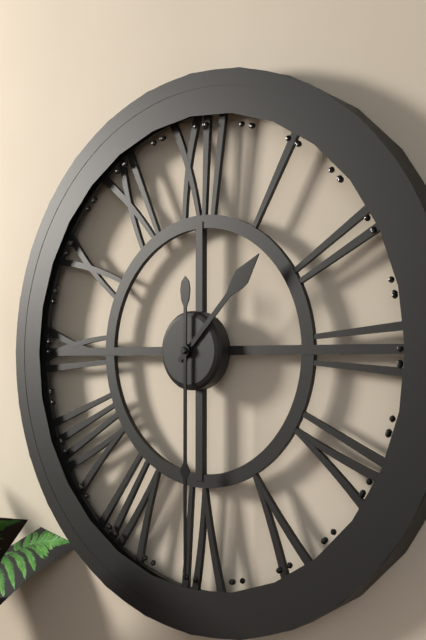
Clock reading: {"hour": 1, "minute": 30}
